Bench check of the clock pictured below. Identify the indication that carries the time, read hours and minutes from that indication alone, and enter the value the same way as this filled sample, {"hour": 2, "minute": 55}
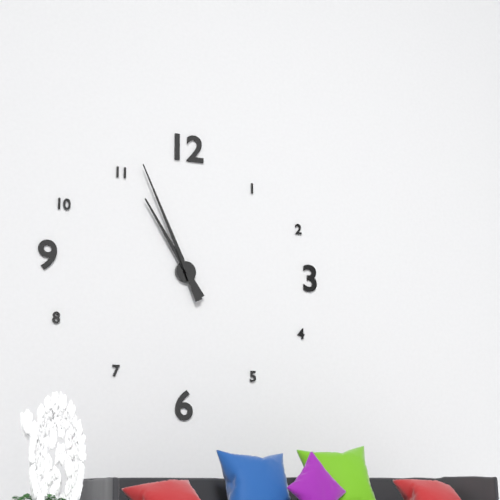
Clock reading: {"hour": 10, "minute": 56}
